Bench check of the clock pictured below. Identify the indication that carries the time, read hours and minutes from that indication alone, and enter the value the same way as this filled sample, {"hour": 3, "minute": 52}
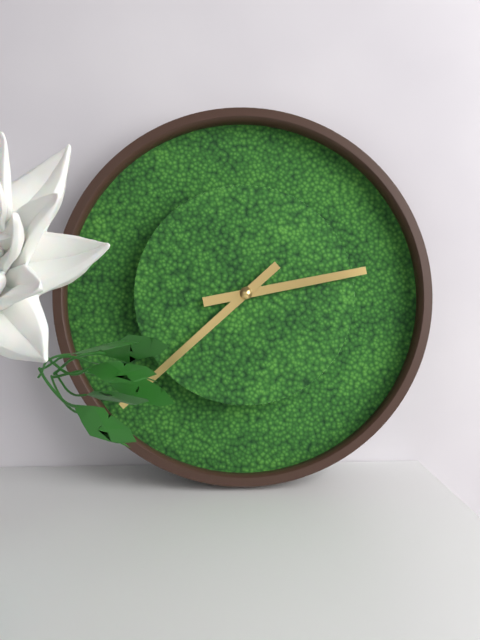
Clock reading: {"hour": 2, "minute": 38}
